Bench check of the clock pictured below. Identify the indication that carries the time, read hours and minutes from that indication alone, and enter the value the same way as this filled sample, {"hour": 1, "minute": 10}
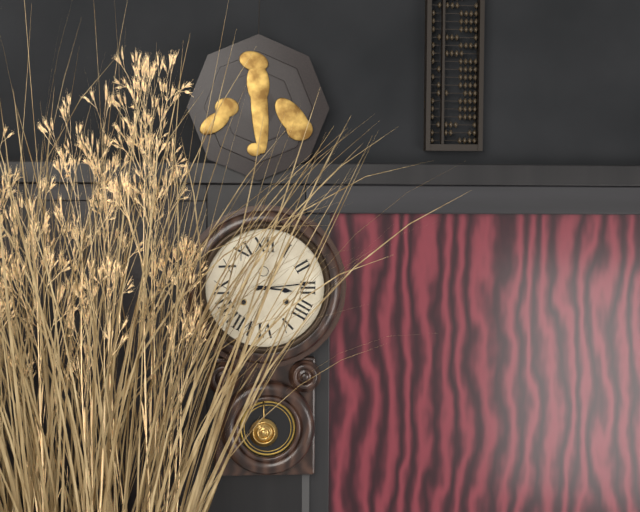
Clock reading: {"hour": 3, "minute": 14}
